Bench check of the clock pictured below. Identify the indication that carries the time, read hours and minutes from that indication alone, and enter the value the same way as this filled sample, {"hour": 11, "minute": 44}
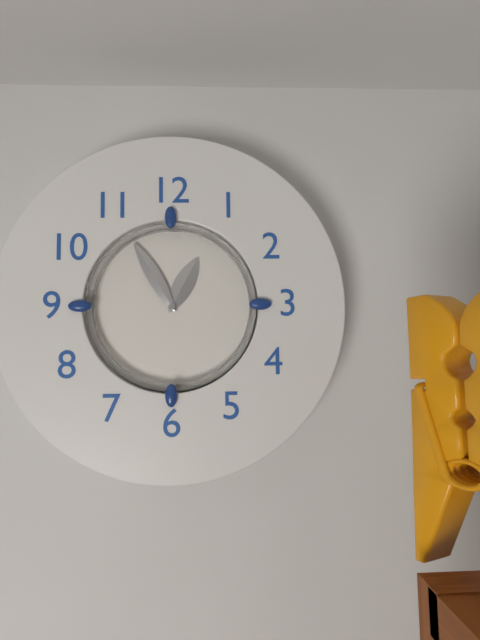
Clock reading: {"hour": 12, "minute": 55}
